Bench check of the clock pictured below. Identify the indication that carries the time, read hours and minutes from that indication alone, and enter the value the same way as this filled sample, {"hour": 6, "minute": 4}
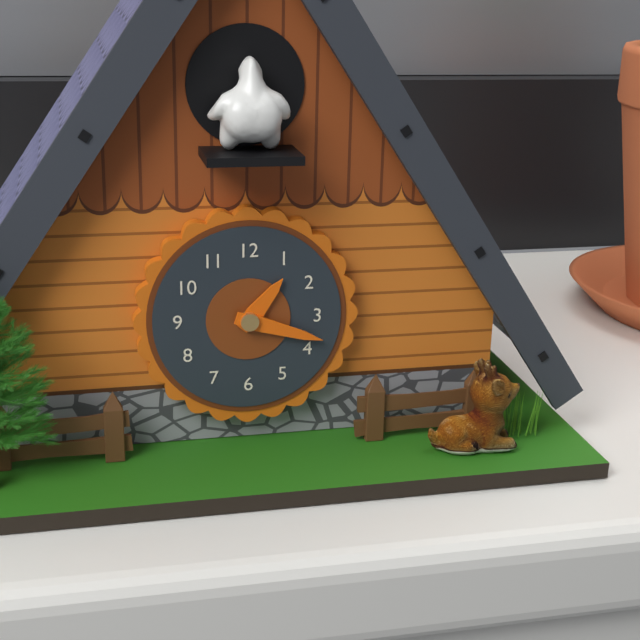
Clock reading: {"hour": 1, "minute": 18}
